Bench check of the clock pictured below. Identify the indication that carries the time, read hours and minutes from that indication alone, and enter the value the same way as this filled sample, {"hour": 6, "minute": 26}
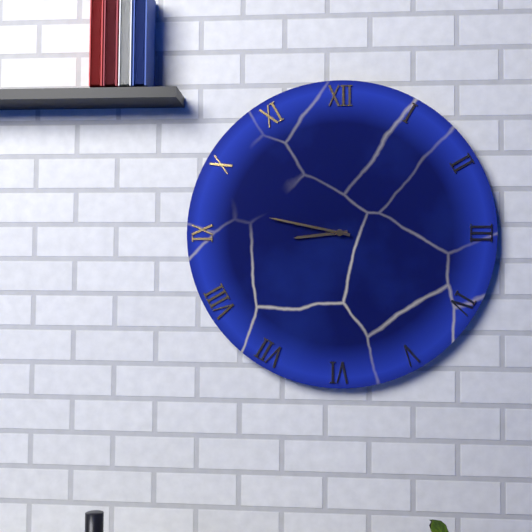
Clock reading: {"hour": 8, "minute": 47}
